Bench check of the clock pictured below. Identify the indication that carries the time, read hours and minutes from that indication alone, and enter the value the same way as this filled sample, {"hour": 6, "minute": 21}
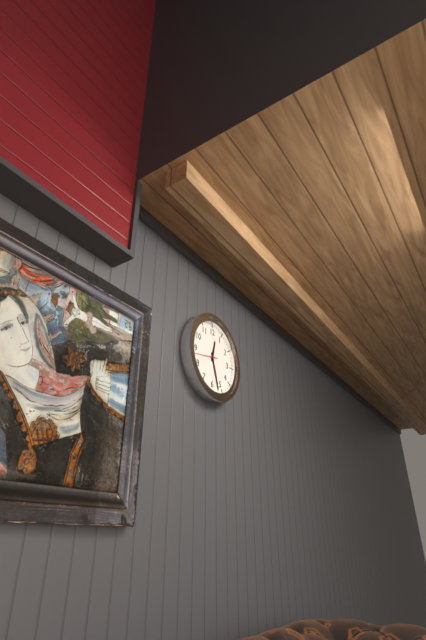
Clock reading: {"hour": 12, "minute": 27}
